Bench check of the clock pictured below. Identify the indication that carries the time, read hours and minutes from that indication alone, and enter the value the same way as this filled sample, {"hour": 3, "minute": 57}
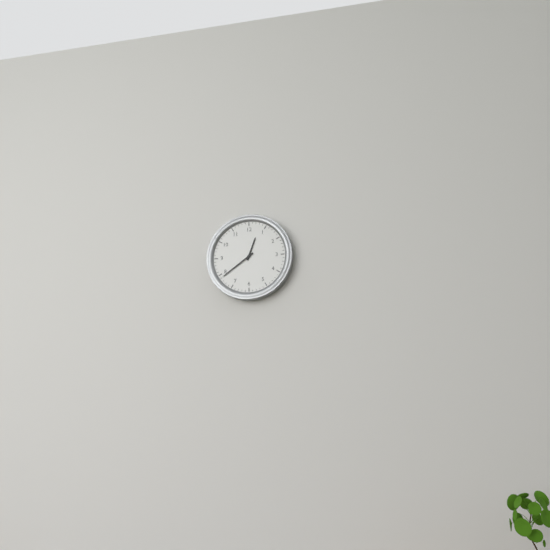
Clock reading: {"hour": 12, "minute": 39}
